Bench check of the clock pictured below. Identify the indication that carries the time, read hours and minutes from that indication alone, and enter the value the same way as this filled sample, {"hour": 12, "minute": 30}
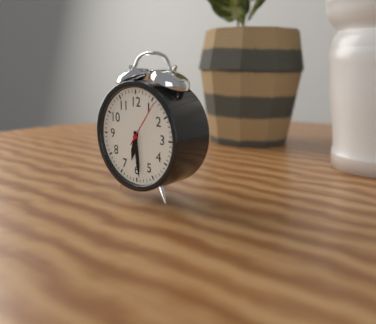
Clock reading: {"hour": 6, "minute": 29}
